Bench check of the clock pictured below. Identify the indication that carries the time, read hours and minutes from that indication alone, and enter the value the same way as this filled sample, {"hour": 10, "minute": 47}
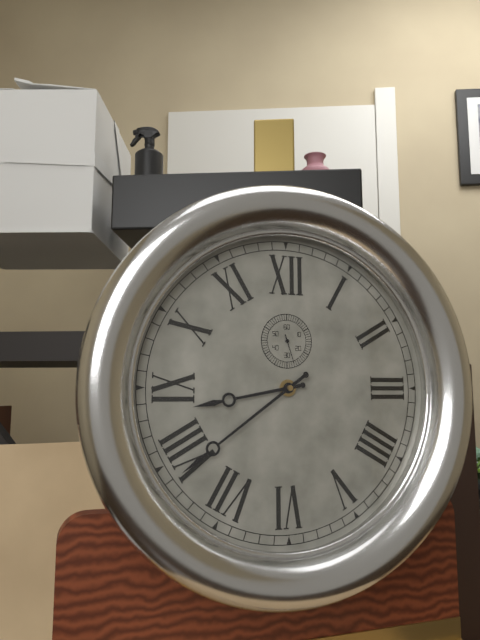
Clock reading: {"hour": 8, "minute": 39}
